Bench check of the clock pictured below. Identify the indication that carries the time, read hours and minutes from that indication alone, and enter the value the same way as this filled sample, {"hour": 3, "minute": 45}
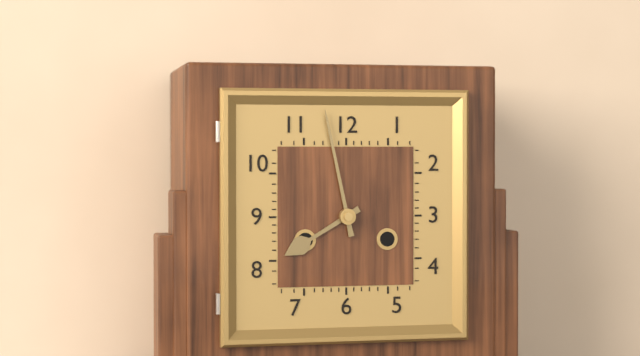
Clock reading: {"hour": 7, "minute": 58}
